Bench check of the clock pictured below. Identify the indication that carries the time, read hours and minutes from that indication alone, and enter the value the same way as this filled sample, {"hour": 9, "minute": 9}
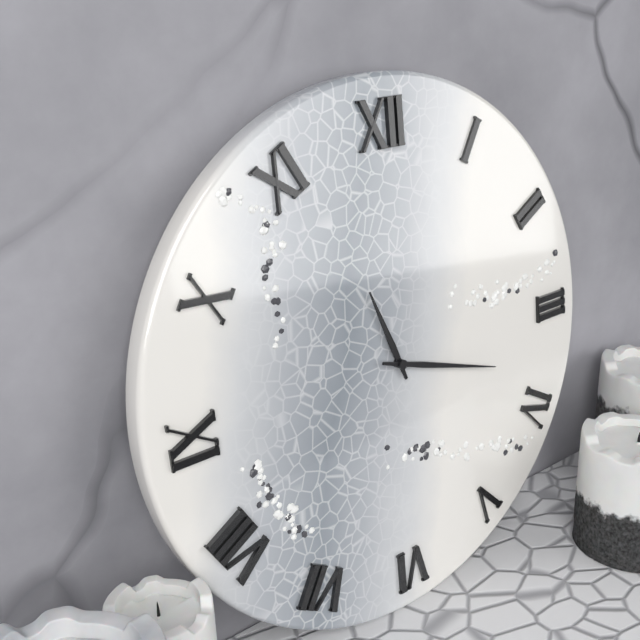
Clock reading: {"hour": 11, "minute": 18}
